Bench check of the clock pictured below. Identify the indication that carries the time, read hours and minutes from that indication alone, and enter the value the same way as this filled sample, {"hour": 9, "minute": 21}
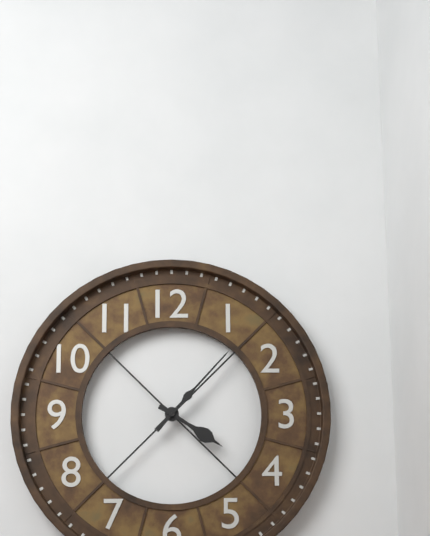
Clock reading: {"hour": 4, "minute": 7}
